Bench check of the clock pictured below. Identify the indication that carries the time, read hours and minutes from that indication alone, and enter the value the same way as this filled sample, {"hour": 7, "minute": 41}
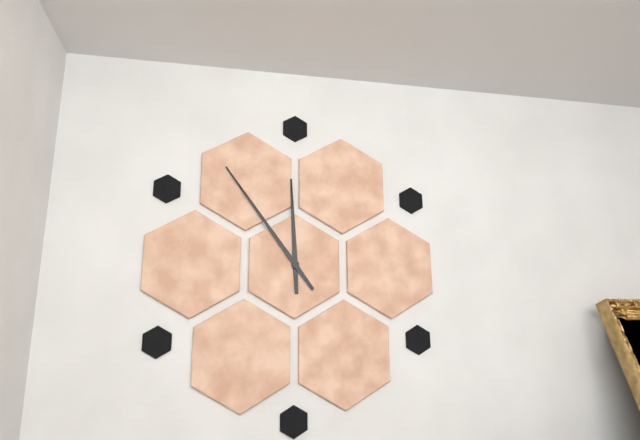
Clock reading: {"hour": 11, "minute": 54}
